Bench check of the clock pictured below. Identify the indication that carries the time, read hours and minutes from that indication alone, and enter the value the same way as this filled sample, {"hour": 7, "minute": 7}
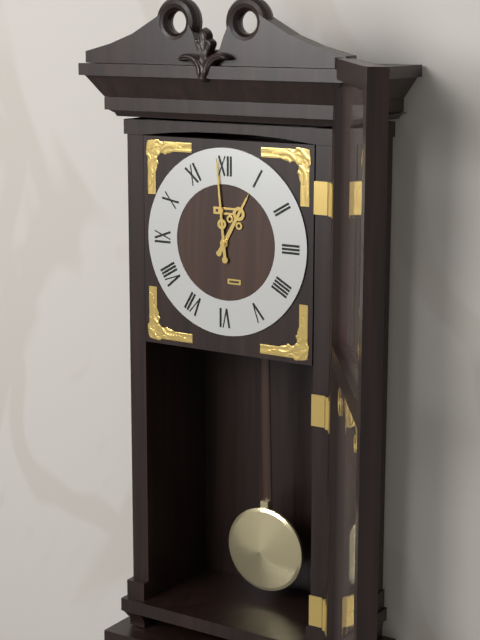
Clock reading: {"hour": 12, "minute": 59}
